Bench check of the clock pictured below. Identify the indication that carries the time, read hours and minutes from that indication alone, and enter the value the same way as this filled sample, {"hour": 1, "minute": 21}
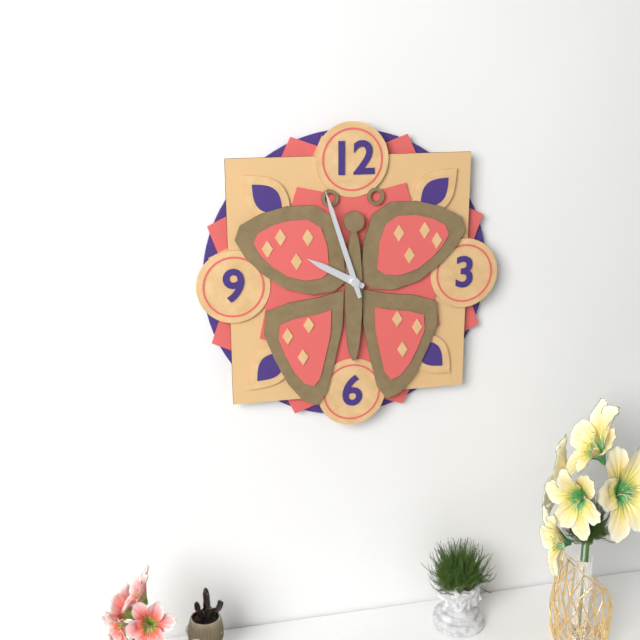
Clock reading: {"hour": 9, "minute": 57}
